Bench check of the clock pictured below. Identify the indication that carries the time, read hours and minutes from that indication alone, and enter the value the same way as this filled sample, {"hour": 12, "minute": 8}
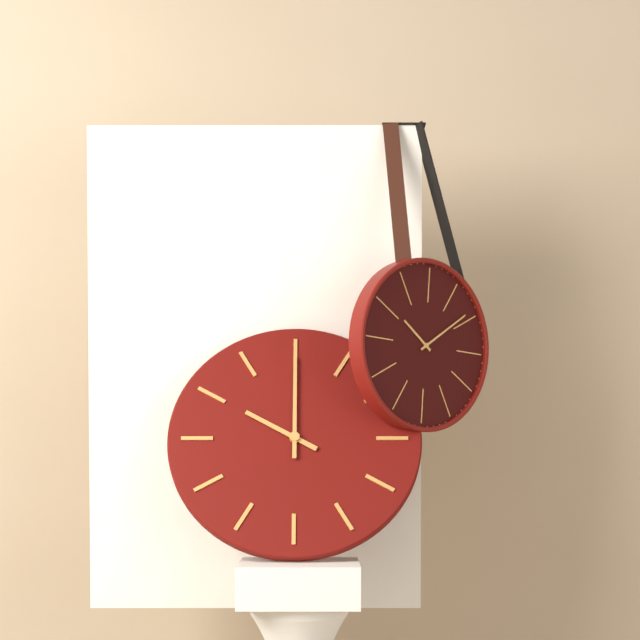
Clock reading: {"hour": 10, "minute": 0}
